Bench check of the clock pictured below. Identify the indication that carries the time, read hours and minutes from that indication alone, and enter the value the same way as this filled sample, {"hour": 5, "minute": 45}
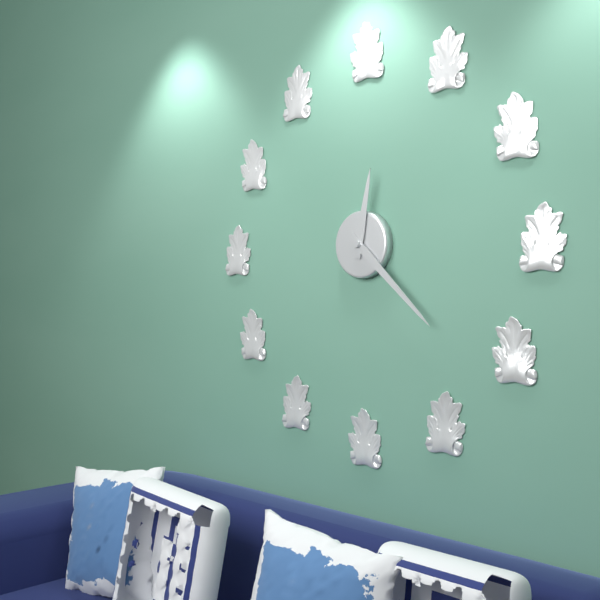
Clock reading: {"hour": 12, "minute": 22}
